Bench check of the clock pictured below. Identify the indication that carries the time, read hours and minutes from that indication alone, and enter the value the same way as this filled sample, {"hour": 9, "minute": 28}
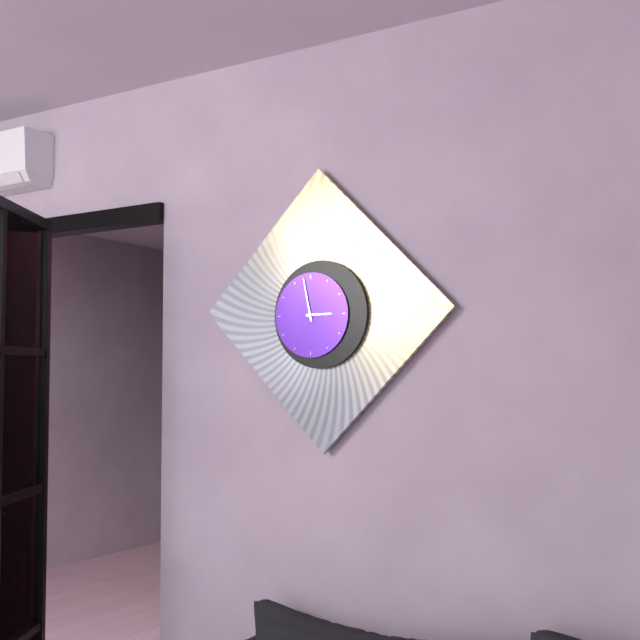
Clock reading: {"hour": 2, "minute": 58}
